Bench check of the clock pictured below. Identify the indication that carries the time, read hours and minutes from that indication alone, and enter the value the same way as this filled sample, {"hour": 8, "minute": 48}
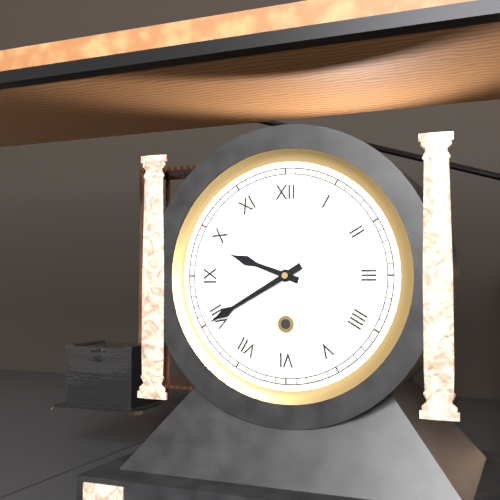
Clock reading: {"hour": 9, "minute": 40}
